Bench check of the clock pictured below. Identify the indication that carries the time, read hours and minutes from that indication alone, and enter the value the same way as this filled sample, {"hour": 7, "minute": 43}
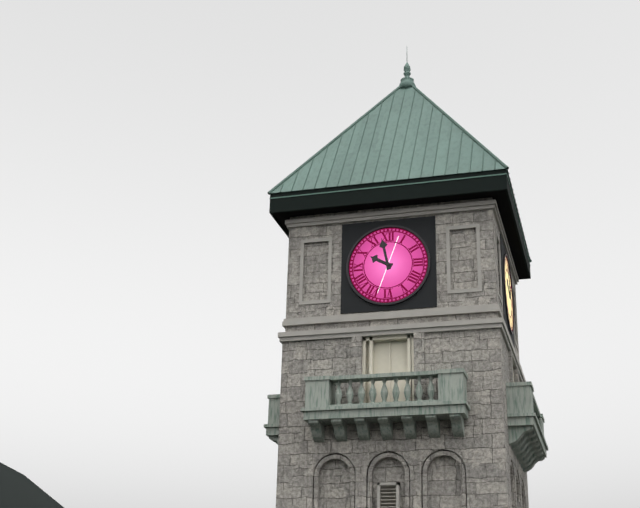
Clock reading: {"hour": 9, "minute": 58}
